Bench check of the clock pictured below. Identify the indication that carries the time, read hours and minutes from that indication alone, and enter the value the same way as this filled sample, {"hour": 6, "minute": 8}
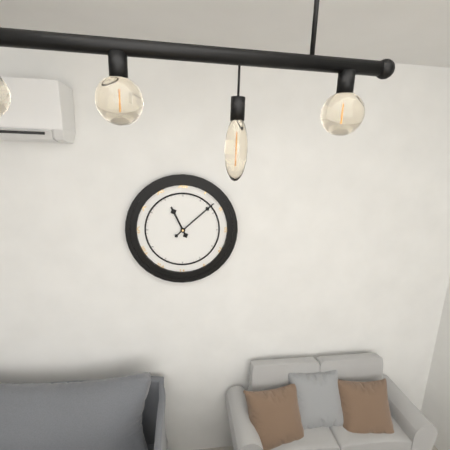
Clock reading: {"hour": 11, "minute": 8}
